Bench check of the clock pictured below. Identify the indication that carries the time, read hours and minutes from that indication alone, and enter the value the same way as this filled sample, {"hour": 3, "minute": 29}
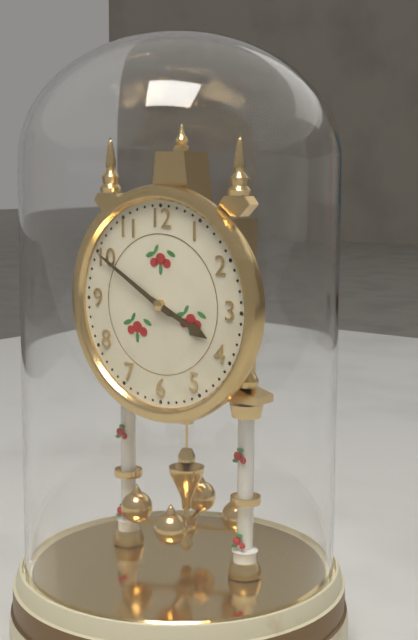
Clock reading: {"hour": 3, "minute": 50}
